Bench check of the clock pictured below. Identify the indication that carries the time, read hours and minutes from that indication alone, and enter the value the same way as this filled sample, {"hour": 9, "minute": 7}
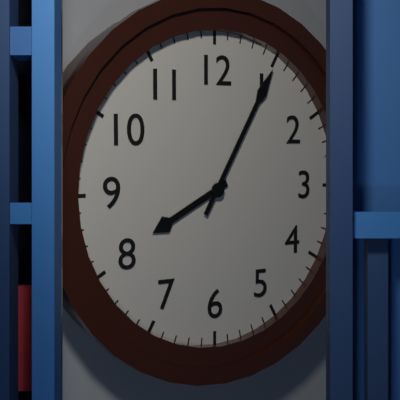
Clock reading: {"hour": 8, "minute": 5}
